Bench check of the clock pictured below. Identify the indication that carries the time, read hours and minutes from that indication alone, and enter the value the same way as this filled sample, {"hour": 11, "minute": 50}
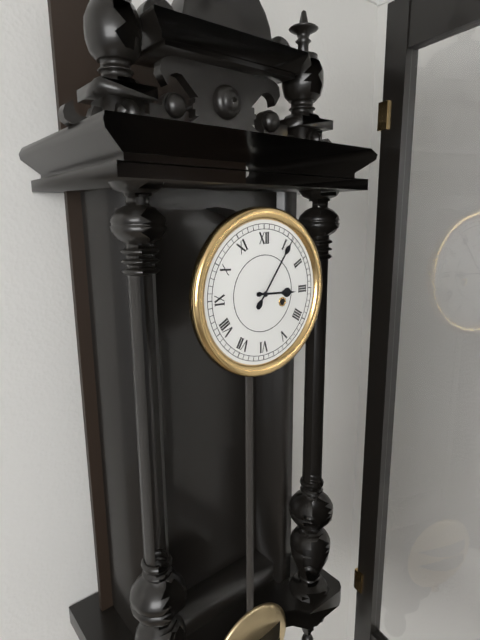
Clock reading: {"hour": 3, "minute": 6}
